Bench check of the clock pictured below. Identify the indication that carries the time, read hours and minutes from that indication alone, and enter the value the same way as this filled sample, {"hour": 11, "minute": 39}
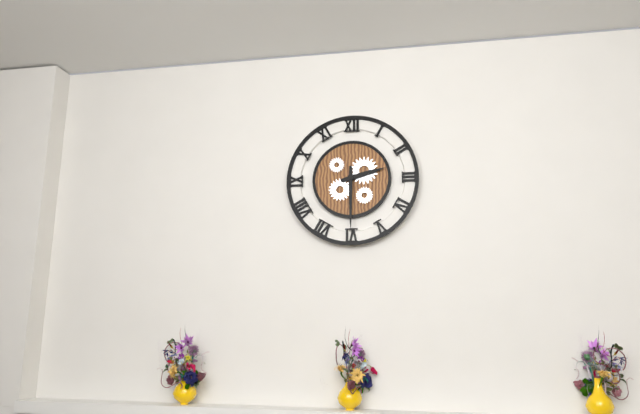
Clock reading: {"hour": 2, "minute": 30}
